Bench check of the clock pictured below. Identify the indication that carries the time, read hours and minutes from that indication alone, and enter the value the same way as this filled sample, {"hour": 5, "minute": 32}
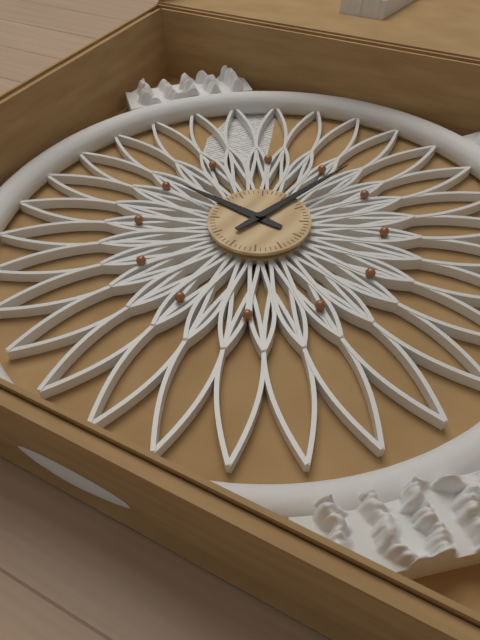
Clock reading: {"hour": 9, "minute": 2}
